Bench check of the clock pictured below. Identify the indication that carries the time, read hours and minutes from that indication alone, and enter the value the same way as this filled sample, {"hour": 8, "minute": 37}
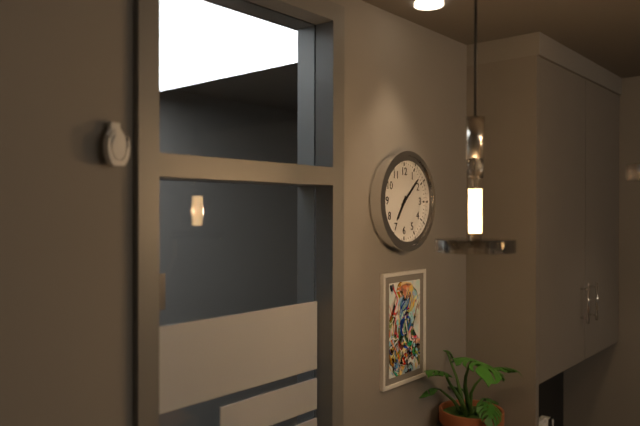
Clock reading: {"hour": 7, "minute": 8}
